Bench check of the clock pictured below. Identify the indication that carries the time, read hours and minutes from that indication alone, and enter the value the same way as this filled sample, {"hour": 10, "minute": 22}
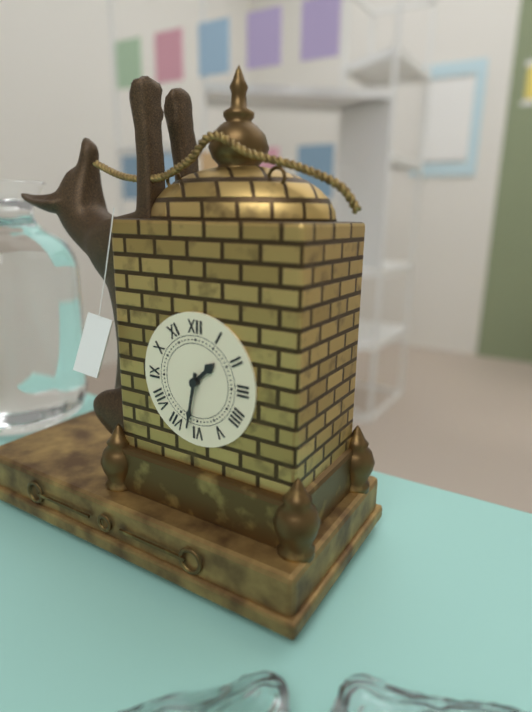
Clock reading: {"hour": 1, "minute": 32}
